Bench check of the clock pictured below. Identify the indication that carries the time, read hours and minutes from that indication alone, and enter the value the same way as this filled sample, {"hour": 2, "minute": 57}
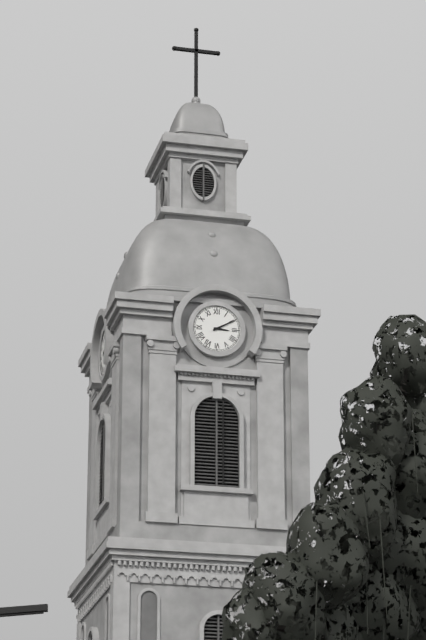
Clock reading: {"hour": 3, "minute": 10}
